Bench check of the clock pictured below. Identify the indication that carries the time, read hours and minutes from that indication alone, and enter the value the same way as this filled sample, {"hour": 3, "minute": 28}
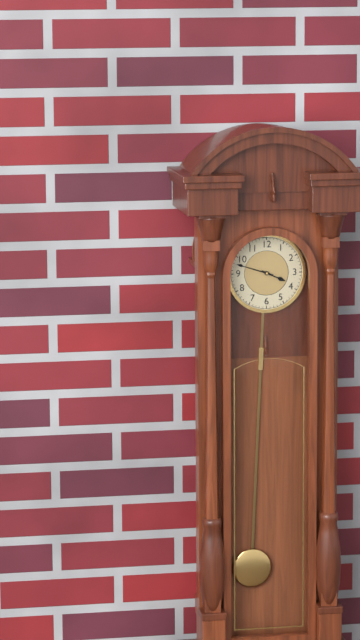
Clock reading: {"hour": 3, "minute": 48}
